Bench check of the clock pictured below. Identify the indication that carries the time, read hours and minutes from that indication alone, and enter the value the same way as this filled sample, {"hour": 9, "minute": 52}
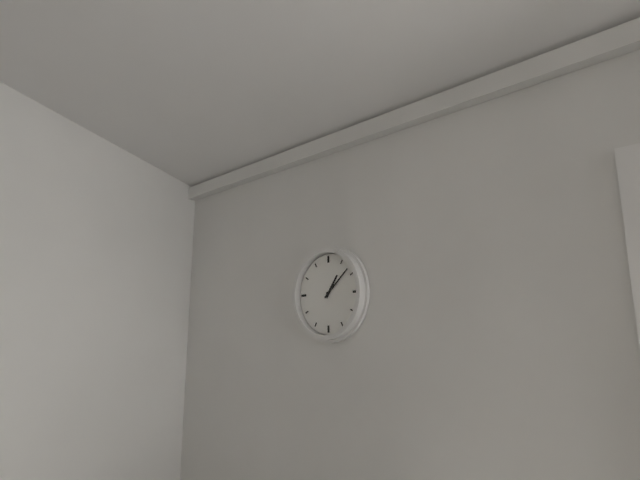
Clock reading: {"hour": 1, "minute": 8}
